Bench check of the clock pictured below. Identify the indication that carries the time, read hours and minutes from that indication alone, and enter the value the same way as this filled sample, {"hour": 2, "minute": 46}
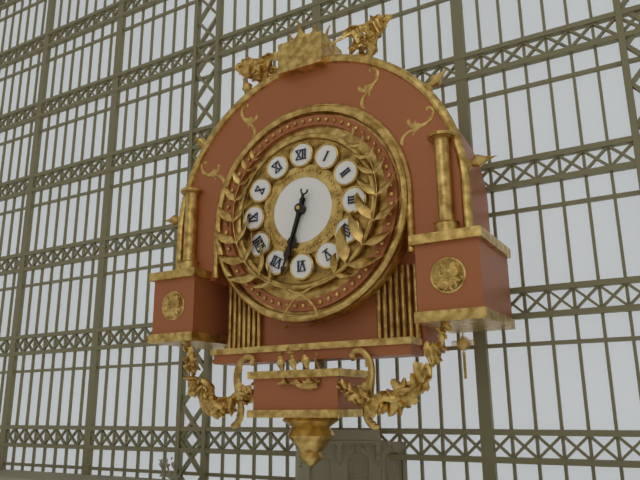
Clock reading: {"hour": 6, "minute": 33}
